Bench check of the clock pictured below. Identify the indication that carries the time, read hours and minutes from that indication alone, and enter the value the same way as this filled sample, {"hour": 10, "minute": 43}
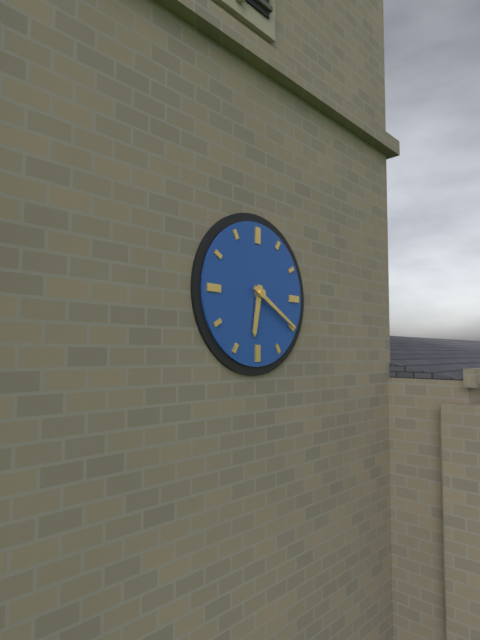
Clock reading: {"hour": 6, "minute": 20}
